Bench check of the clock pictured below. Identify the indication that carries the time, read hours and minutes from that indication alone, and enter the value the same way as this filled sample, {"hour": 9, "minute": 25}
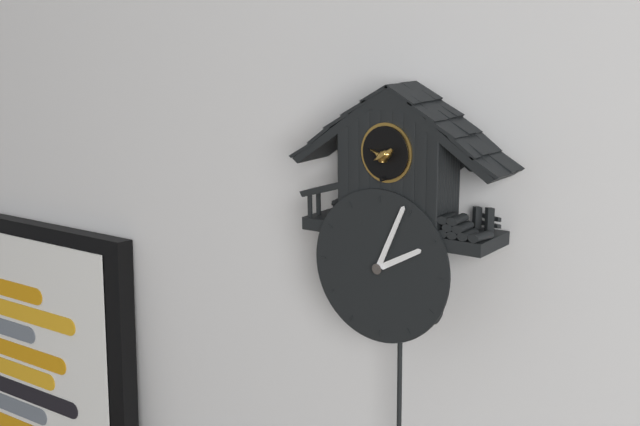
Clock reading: {"hour": 2, "minute": 4}
